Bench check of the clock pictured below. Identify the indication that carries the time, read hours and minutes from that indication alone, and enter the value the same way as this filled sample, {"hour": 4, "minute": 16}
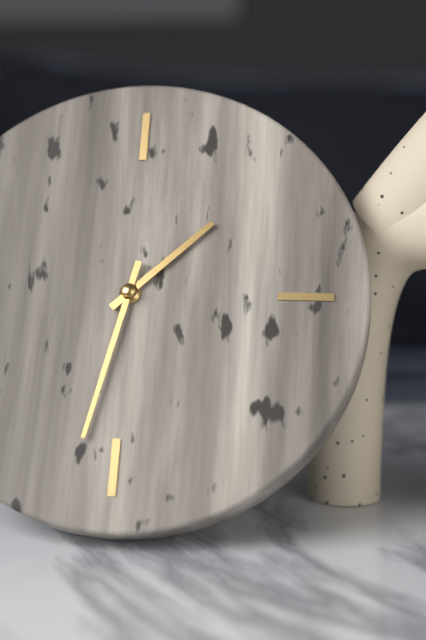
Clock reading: {"hour": 1, "minute": 32}
